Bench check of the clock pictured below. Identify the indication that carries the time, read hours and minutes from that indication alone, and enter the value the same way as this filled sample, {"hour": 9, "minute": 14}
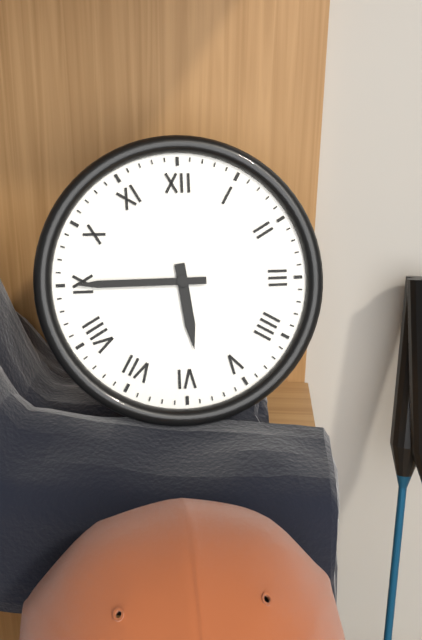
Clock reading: {"hour": 5, "minute": 45}
